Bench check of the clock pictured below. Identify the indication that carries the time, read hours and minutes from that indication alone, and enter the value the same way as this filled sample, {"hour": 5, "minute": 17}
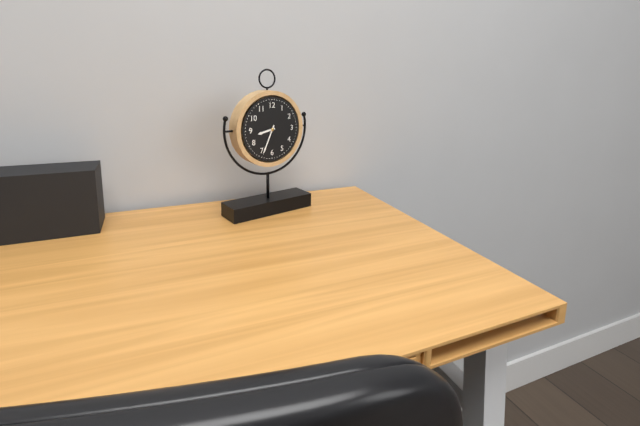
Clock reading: {"hour": 8, "minute": 34}
